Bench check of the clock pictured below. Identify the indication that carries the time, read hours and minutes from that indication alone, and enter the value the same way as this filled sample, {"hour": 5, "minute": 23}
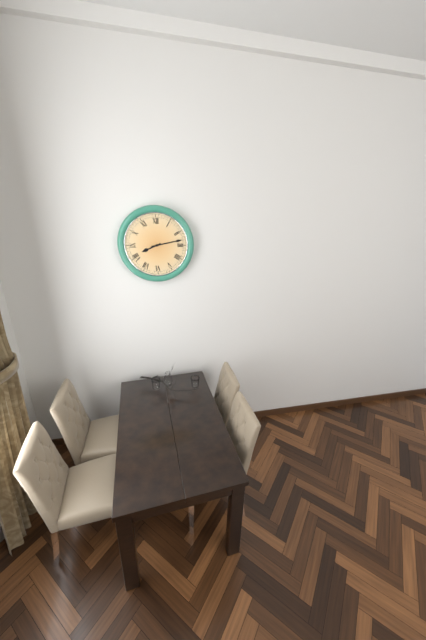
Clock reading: {"hour": 8, "minute": 13}
